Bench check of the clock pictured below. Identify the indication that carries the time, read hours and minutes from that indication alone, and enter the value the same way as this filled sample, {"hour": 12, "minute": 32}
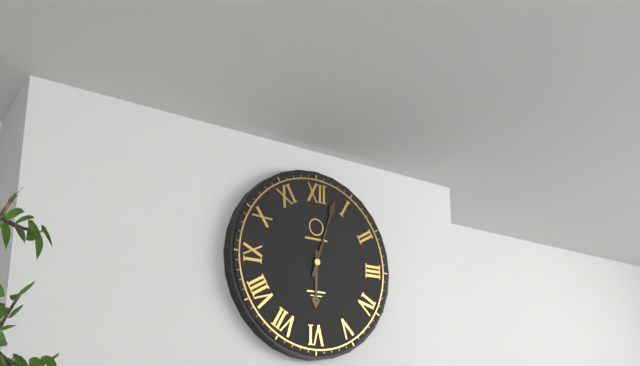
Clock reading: {"hour": 6, "minute": 3}
